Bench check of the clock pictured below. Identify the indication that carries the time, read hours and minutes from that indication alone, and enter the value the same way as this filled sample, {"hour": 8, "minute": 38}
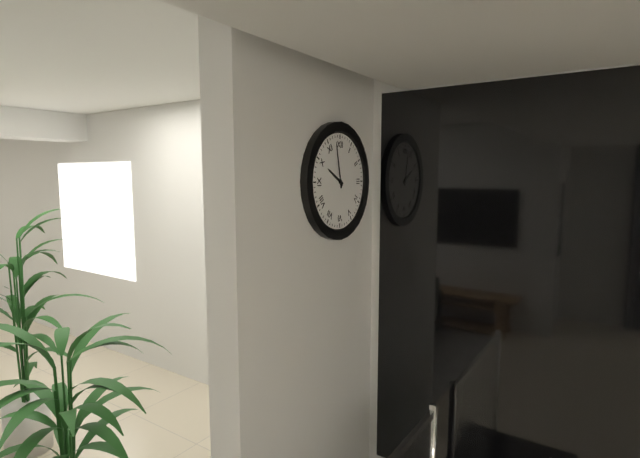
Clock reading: {"hour": 9, "minute": 58}
